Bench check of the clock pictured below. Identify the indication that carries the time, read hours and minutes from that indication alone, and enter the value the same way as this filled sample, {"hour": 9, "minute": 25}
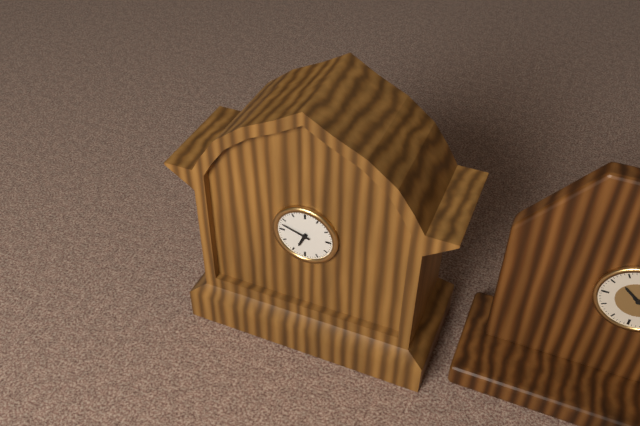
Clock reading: {"hour": 6, "minute": 48}
